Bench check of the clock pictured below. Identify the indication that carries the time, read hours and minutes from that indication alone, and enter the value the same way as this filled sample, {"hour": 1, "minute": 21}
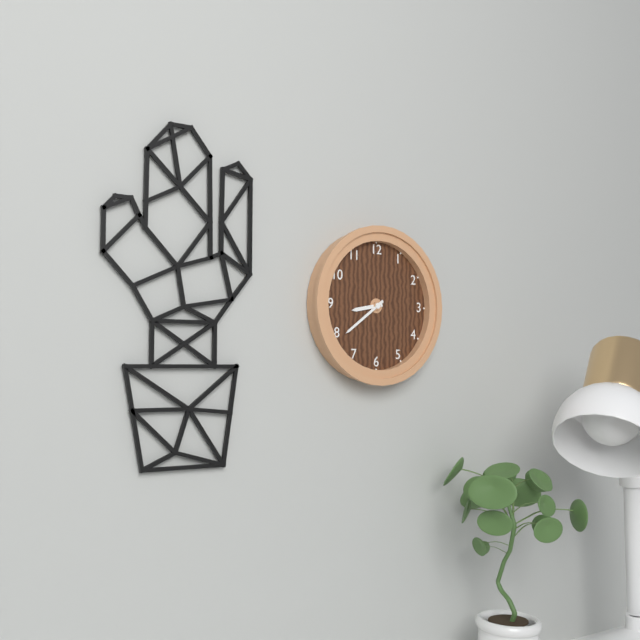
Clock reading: {"hour": 8, "minute": 39}
